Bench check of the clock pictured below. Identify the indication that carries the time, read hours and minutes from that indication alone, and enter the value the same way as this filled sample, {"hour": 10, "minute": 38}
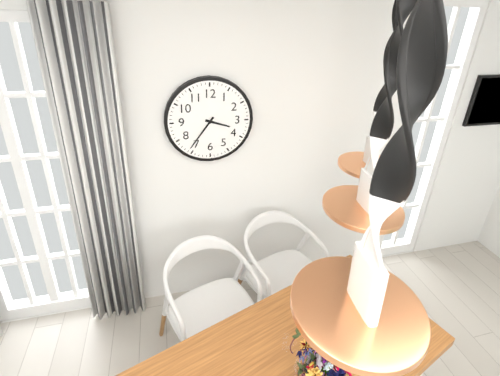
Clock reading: {"hour": 3, "minute": 36}
